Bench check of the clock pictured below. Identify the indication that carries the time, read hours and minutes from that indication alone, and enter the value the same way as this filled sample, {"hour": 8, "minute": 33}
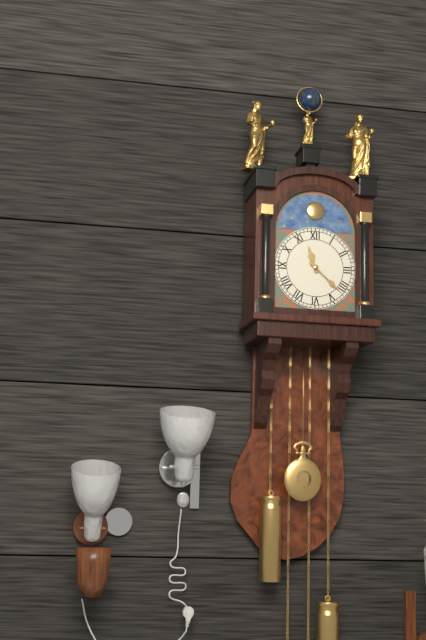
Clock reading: {"hour": 11, "minute": 22}
